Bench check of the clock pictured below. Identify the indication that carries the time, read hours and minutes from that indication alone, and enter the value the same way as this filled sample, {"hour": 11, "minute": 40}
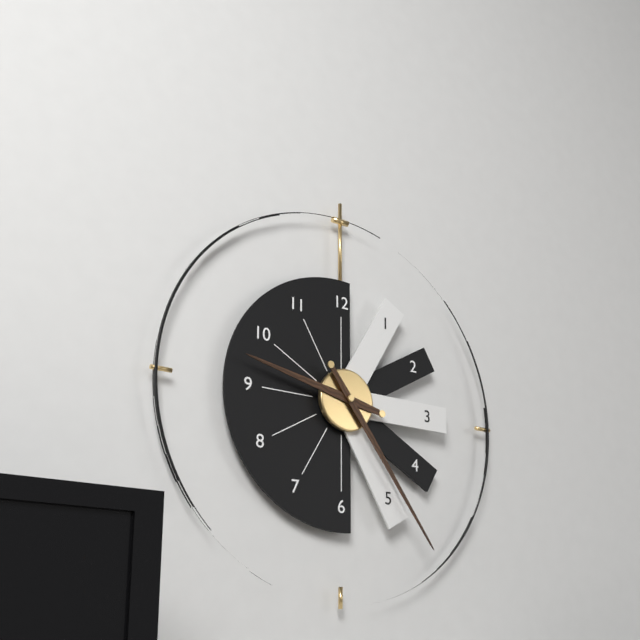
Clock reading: {"hour": 9, "minute": 24}
